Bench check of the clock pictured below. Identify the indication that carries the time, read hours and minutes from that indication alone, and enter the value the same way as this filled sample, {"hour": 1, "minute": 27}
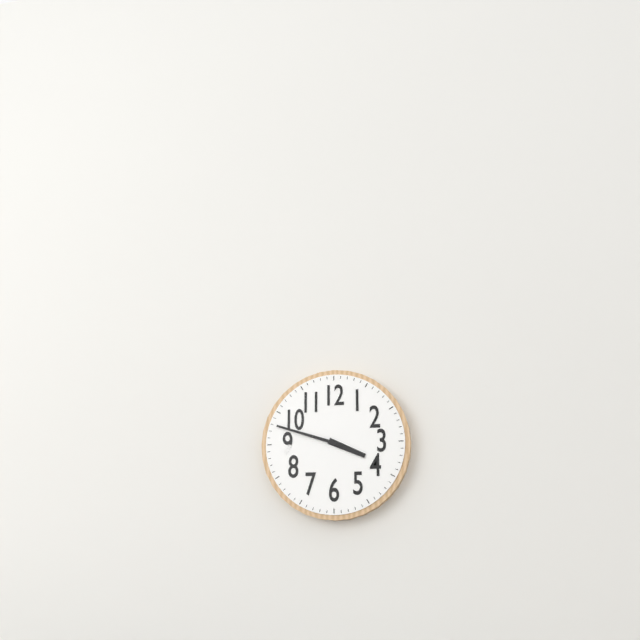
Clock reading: {"hour": 3, "minute": 48}
